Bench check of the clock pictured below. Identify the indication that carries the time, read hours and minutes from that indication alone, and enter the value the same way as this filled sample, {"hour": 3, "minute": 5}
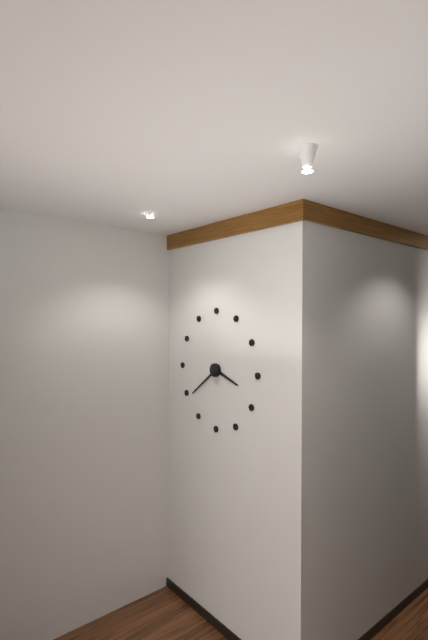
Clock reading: {"hour": 3, "minute": 39}
